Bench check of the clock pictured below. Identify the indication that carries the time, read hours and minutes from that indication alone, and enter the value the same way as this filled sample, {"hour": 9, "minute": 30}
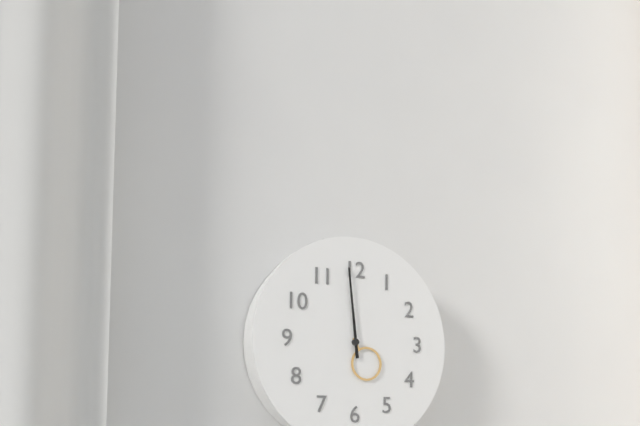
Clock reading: {"hour": 4, "minute": 59}
